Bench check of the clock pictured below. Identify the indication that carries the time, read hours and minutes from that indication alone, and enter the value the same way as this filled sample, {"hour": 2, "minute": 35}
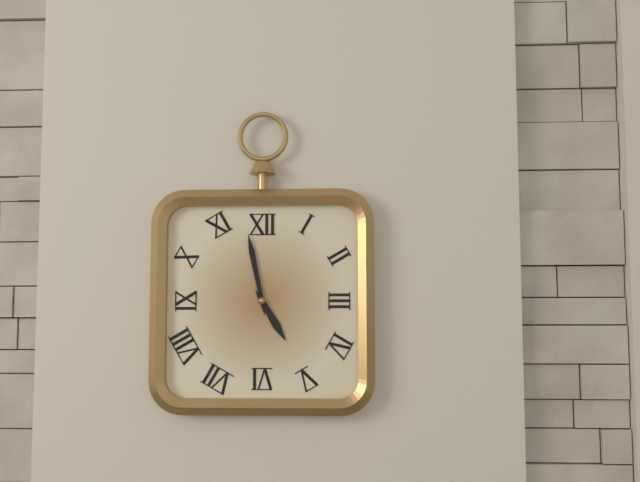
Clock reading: {"hour": 4, "minute": 58}
